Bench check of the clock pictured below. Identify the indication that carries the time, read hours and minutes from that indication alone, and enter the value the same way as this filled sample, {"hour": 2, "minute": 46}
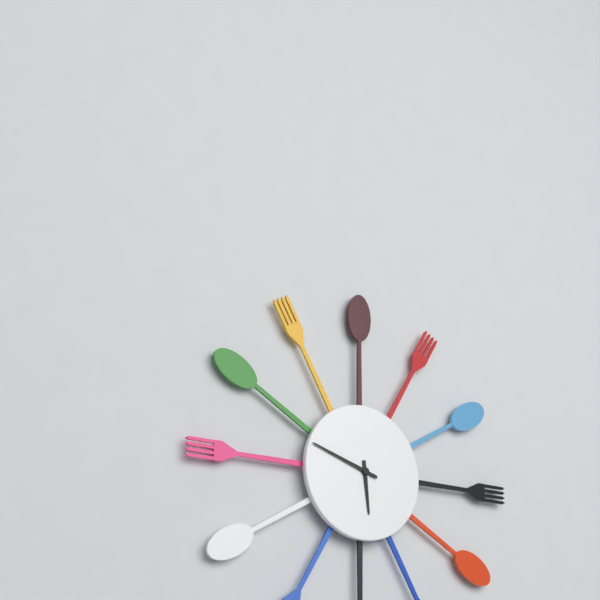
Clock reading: {"hour": 5, "minute": 48}
